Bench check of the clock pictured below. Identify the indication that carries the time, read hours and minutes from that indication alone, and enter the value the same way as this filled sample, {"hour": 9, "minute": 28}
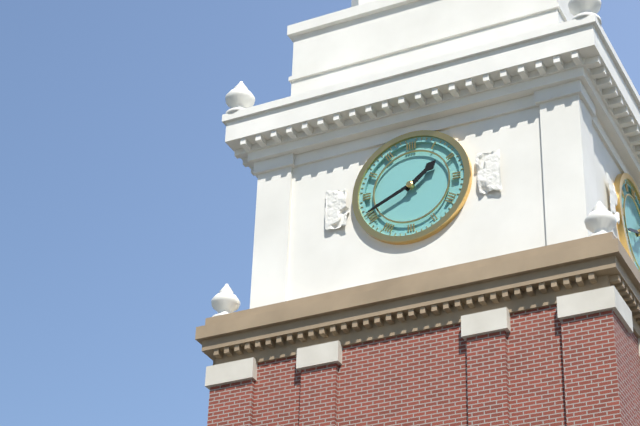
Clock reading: {"hour": 1, "minute": 41}
